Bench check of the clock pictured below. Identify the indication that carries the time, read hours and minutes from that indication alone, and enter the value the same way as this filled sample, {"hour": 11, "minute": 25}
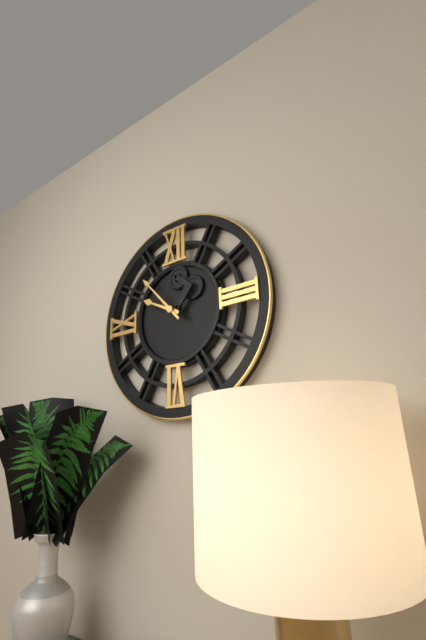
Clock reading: {"hour": 9, "minute": 53}
